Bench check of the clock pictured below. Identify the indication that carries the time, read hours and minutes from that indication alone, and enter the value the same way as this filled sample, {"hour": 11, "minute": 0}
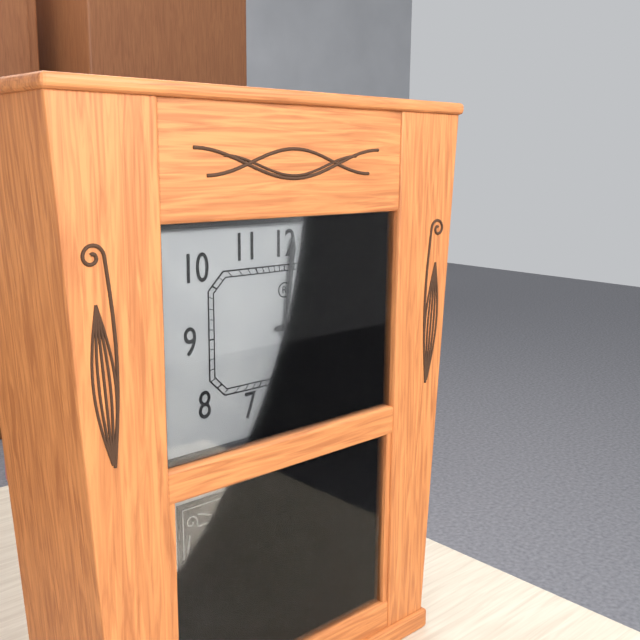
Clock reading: {"hour": 3, "minute": 1}
